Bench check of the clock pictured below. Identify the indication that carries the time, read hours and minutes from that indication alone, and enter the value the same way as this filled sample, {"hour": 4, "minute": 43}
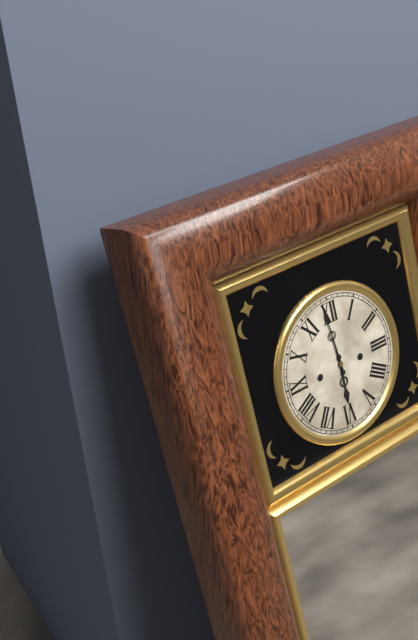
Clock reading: {"hour": 5, "minute": 59}
